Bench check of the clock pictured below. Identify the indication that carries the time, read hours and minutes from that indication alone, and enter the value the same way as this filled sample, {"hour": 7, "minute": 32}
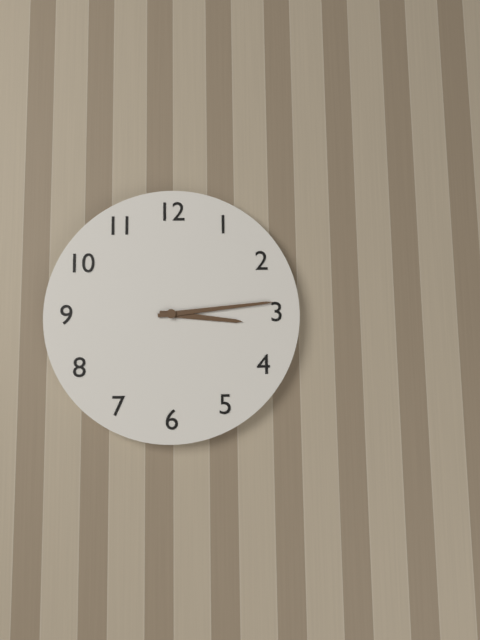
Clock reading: {"hour": 3, "minute": 14}
